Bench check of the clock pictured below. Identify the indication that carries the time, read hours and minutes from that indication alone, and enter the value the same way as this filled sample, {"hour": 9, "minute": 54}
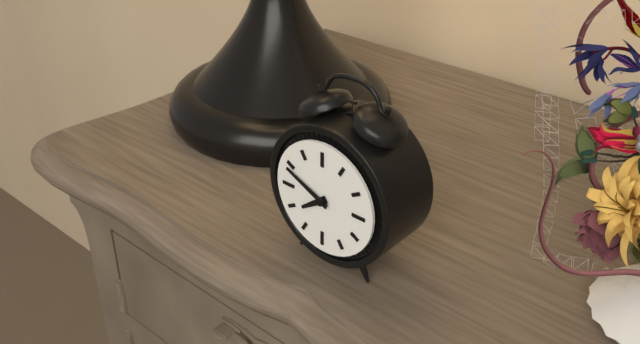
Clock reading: {"hour": 7, "minute": 49}
